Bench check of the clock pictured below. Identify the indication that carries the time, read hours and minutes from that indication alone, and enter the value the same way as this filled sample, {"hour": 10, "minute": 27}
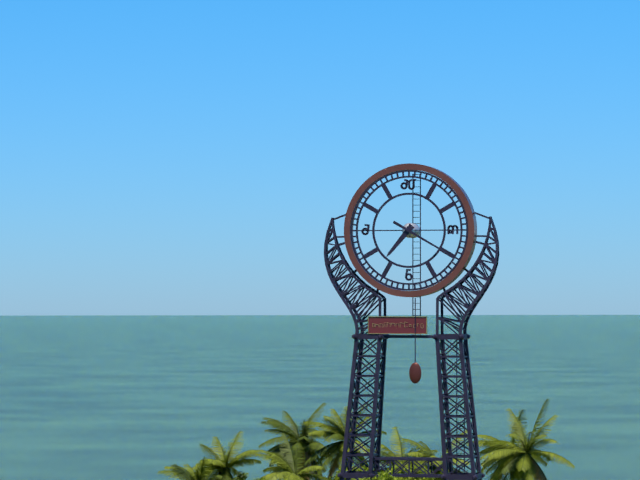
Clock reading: {"hour": 7, "minute": 20}
